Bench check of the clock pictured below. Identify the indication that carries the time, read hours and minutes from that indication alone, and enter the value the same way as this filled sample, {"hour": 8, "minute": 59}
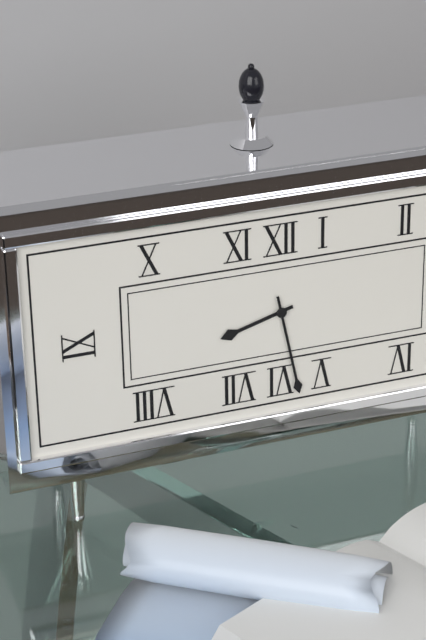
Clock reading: {"hour": 8, "minute": 28}
